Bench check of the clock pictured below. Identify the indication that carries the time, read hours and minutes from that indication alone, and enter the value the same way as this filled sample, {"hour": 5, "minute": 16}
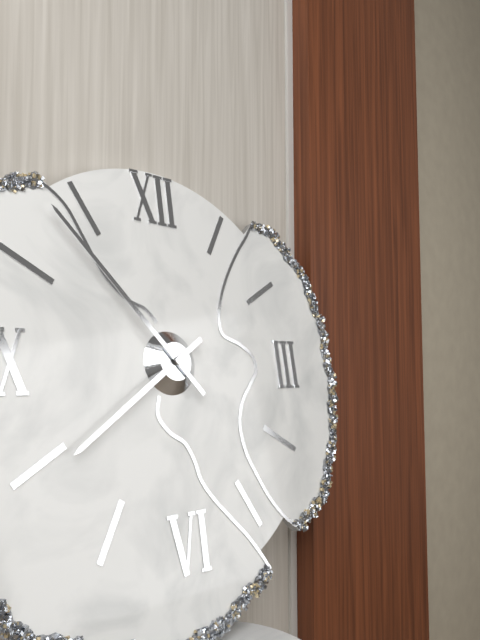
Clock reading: {"hour": 7, "minute": 53}
